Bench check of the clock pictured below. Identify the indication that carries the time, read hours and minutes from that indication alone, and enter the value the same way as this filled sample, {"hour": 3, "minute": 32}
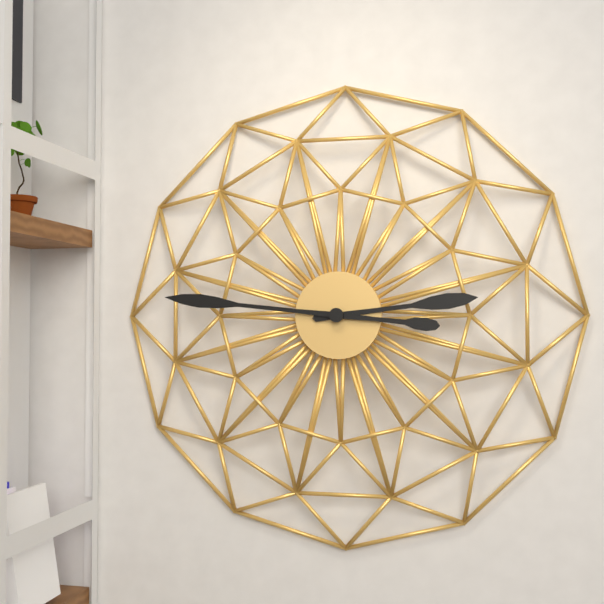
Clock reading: {"hour": 2, "minute": 46}
